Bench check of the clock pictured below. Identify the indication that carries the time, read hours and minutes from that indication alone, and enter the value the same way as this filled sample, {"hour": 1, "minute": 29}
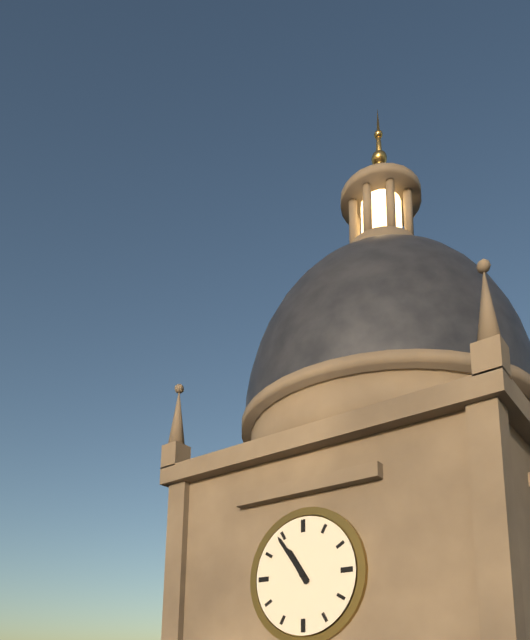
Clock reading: {"hour": 10, "minute": 54}
